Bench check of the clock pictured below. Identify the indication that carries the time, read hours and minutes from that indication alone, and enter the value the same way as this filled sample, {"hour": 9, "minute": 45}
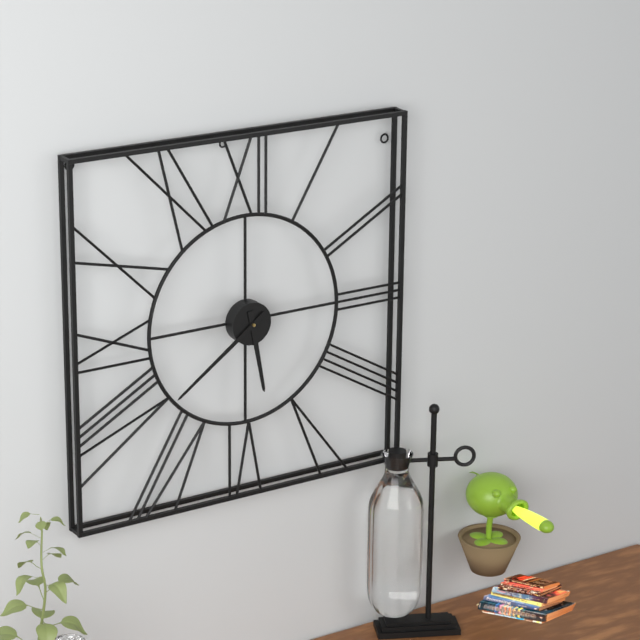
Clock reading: {"hour": 5, "minute": 39}
